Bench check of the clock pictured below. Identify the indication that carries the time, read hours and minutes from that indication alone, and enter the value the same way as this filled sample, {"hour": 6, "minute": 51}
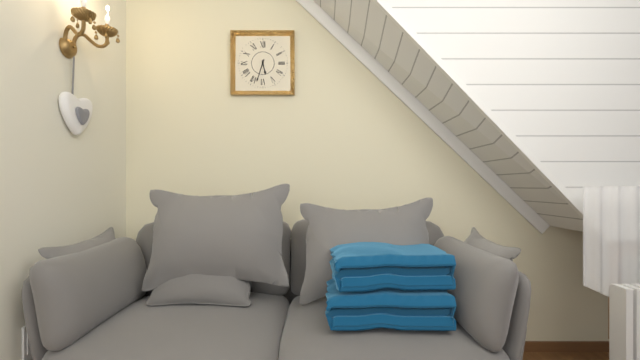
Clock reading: {"hour": 5, "minute": 33}
